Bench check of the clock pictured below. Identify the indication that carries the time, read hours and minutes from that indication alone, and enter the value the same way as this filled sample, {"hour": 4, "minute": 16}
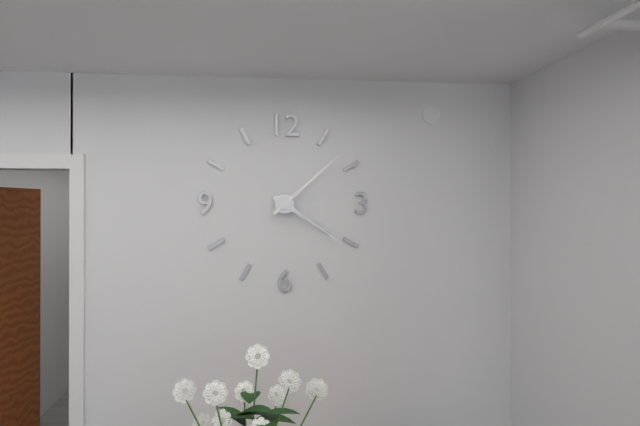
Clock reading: {"hour": 4, "minute": 8}
